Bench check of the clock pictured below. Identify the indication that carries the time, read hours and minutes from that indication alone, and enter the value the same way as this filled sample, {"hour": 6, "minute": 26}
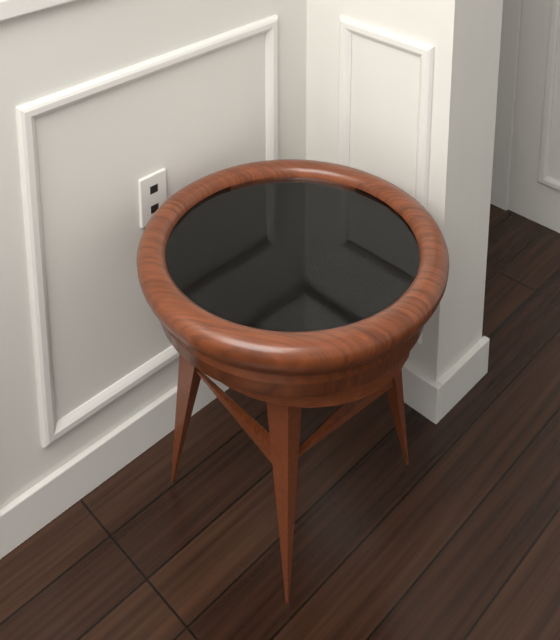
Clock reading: {"hour": 12, "minute": 3}
